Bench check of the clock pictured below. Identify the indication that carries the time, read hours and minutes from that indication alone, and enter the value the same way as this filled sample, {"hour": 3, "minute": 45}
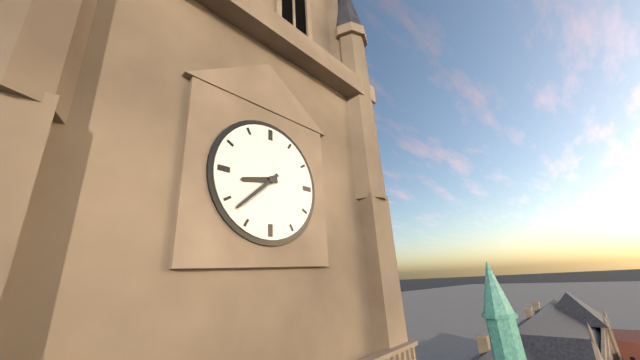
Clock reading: {"hour": 8, "minute": 38}
